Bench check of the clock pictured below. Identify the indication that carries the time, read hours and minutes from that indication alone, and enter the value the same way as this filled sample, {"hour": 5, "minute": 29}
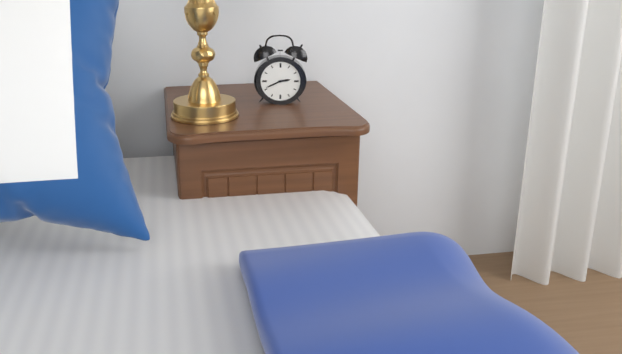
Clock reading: {"hour": 2, "minute": 41}
